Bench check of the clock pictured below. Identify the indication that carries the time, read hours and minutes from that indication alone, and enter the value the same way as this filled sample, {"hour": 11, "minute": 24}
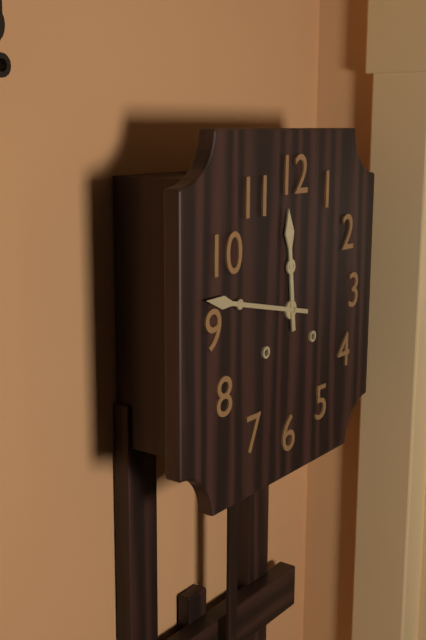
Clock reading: {"hour": 11, "minute": 47}
